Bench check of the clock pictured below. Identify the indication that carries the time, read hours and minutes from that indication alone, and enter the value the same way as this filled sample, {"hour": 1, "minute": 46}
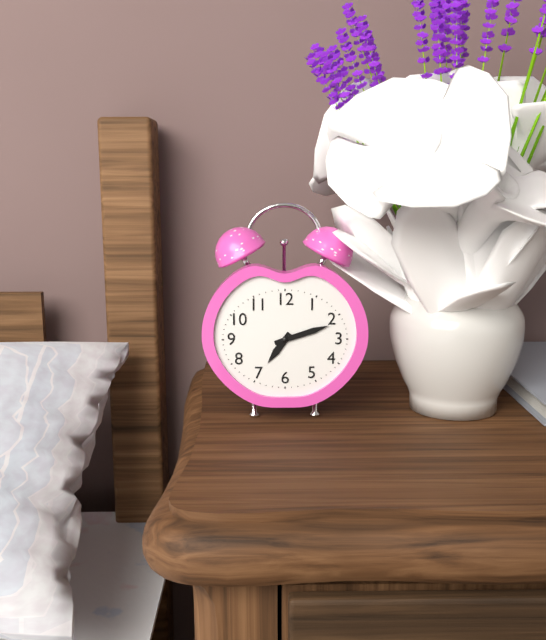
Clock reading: {"hour": 7, "minute": 12}
